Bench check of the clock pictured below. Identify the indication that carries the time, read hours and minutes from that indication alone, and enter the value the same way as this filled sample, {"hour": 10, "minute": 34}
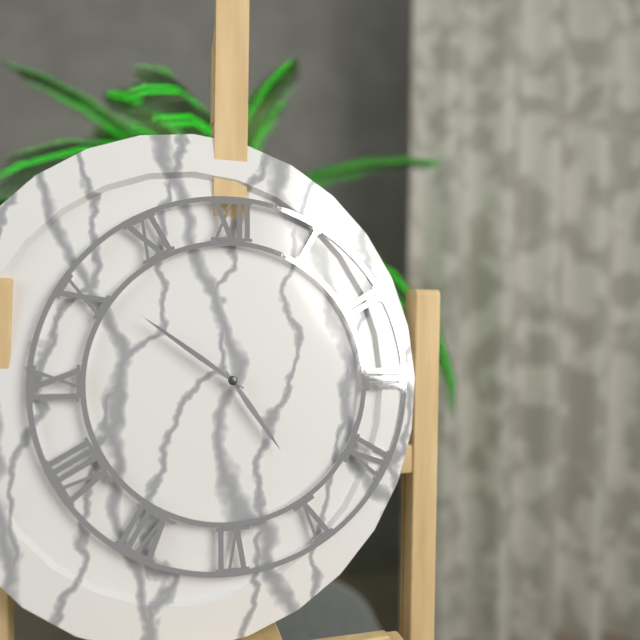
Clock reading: {"hour": 4, "minute": 51}
